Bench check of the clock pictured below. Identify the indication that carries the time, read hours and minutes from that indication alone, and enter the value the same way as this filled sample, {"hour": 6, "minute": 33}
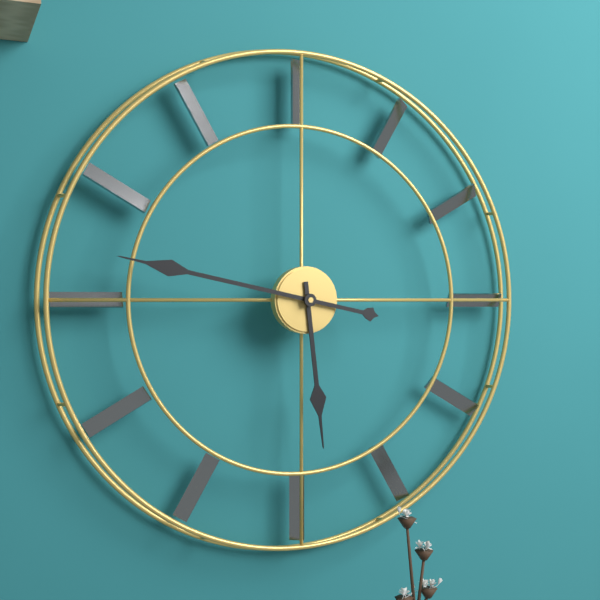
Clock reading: {"hour": 5, "minute": 47}
